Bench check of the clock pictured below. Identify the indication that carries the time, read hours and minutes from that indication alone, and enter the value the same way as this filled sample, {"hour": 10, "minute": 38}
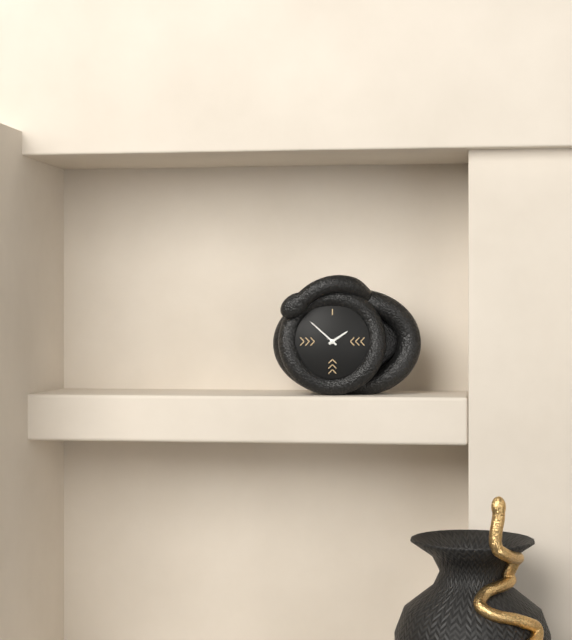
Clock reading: {"hour": 1, "minute": 52}
